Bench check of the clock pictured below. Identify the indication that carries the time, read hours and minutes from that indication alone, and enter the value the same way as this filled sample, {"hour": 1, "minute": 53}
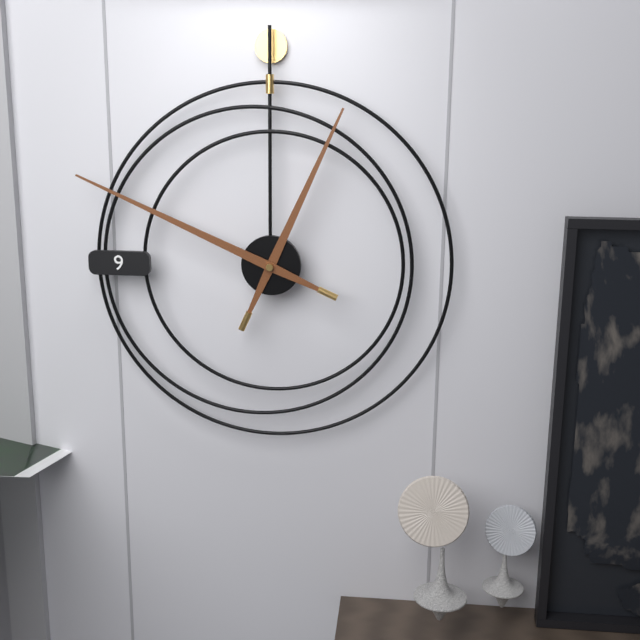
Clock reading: {"hour": 12, "minute": 49}
